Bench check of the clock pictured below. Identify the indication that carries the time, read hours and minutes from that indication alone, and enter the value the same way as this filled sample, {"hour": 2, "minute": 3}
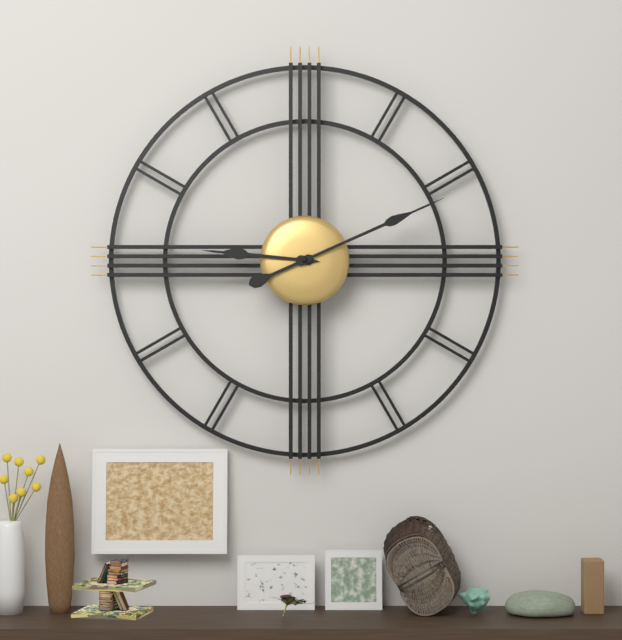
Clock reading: {"hour": 9, "minute": 11}
